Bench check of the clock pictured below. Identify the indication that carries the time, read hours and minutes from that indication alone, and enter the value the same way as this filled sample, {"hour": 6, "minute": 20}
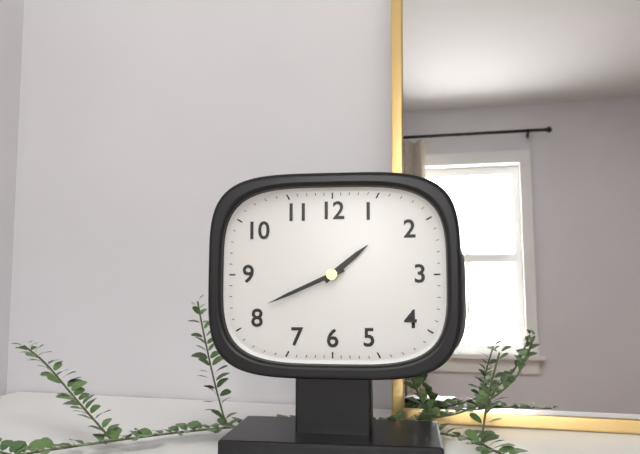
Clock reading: {"hour": 1, "minute": 41}
